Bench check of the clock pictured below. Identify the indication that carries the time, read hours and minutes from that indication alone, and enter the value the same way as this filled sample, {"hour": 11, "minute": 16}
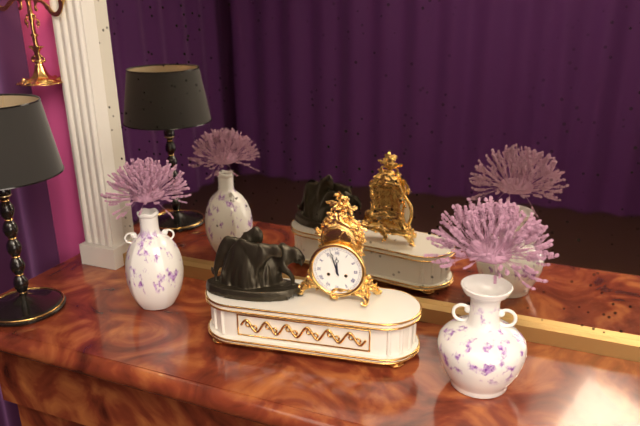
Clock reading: {"hour": 11, "minute": 57}
